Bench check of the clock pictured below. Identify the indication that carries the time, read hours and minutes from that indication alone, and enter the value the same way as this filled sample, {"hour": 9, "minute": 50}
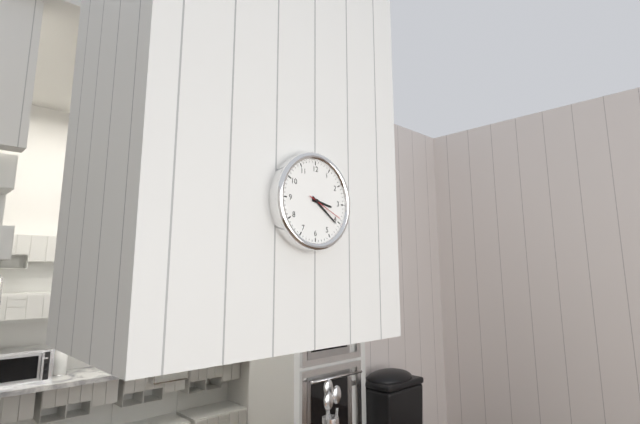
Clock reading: {"hour": 3, "minute": 21}
